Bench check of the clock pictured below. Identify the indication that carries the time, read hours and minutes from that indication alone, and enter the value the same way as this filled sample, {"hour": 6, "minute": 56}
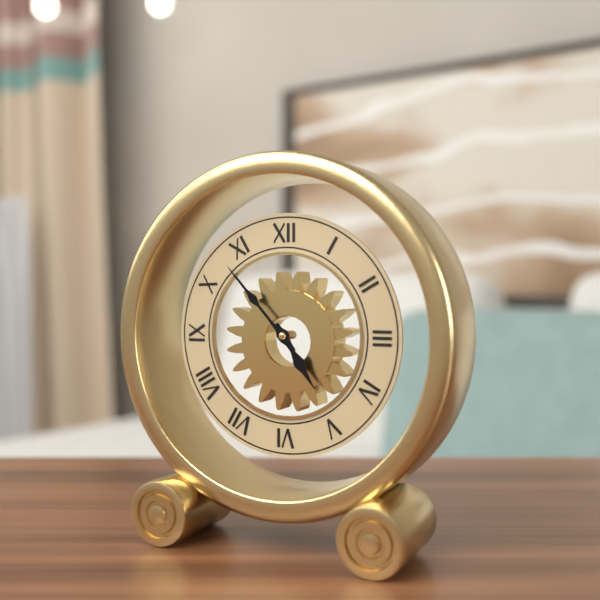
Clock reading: {"hour": 4, "minute": 53}
